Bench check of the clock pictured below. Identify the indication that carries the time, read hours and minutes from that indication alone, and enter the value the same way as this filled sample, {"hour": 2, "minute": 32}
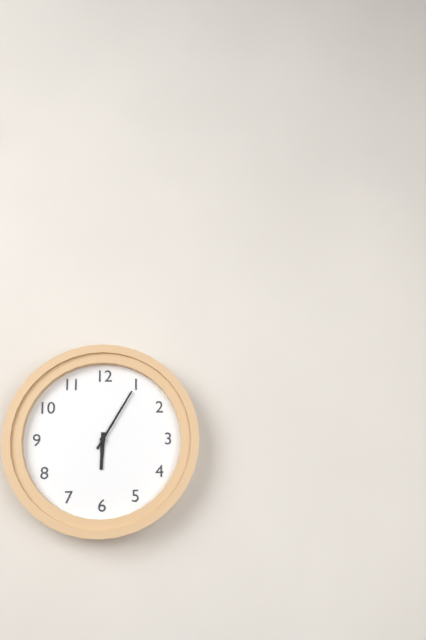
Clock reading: {"hour": 6, "minute": 5}
